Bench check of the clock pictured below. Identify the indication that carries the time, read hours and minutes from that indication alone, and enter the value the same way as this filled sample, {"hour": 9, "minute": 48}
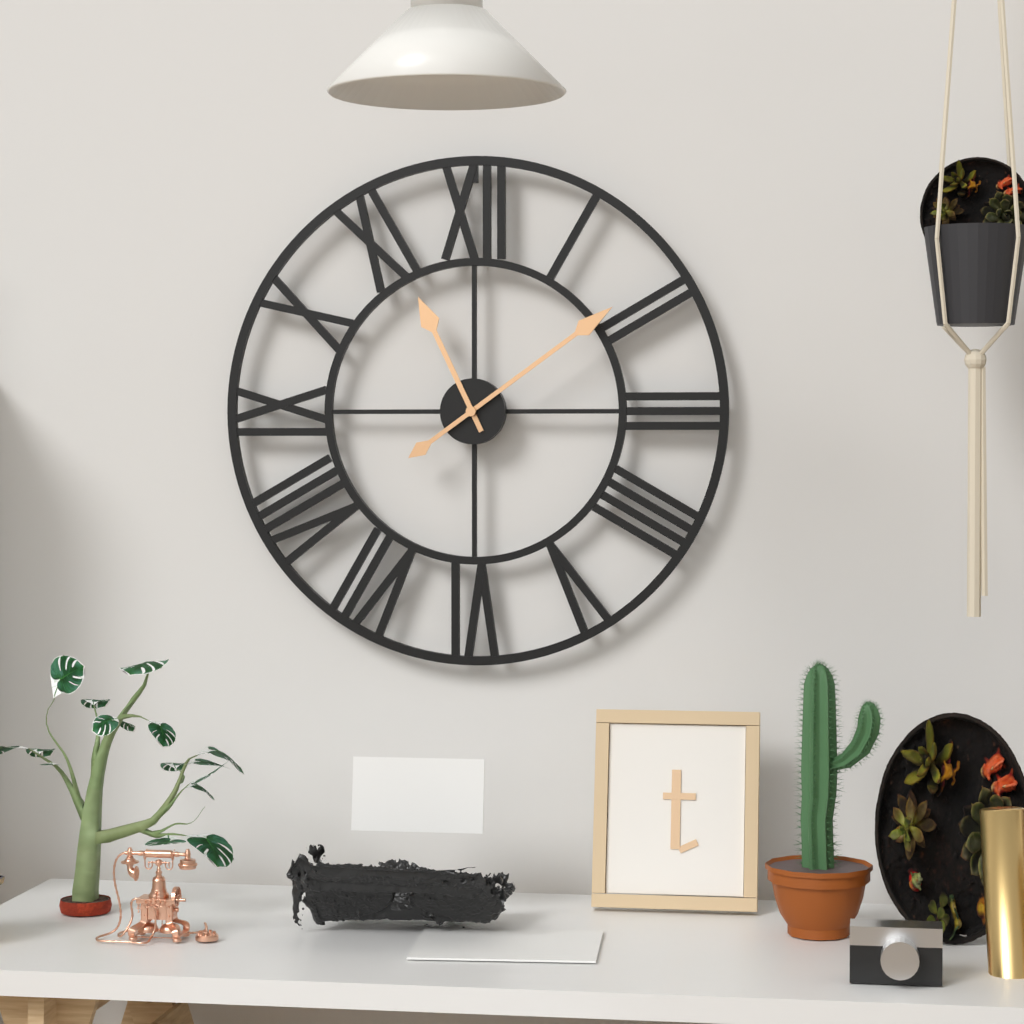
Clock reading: {"hour": 11, "minute": 9}
